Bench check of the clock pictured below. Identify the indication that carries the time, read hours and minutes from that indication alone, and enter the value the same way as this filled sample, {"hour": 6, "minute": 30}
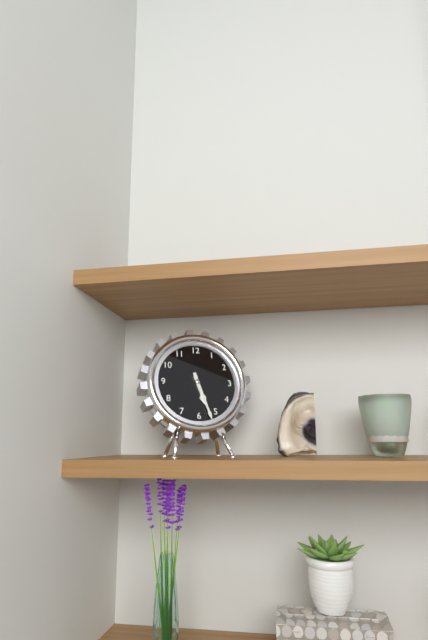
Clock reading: {"hour": 5, "minute": 27}
